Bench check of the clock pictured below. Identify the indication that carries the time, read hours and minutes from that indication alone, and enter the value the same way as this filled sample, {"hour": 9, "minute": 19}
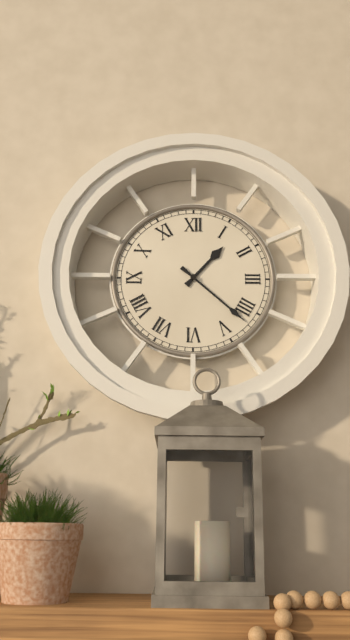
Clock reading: {"hour": 1, "minute": 22}
